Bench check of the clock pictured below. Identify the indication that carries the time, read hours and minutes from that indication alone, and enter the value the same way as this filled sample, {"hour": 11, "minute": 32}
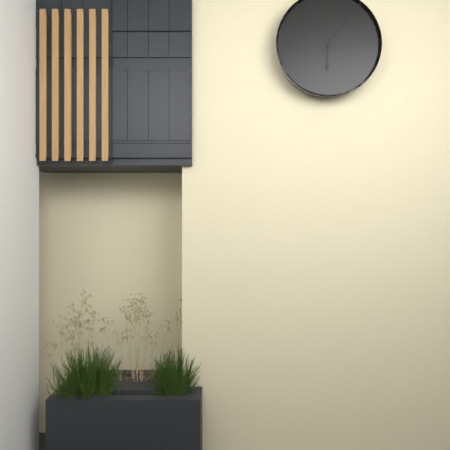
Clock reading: {"hour": 6, "minute": 6}
